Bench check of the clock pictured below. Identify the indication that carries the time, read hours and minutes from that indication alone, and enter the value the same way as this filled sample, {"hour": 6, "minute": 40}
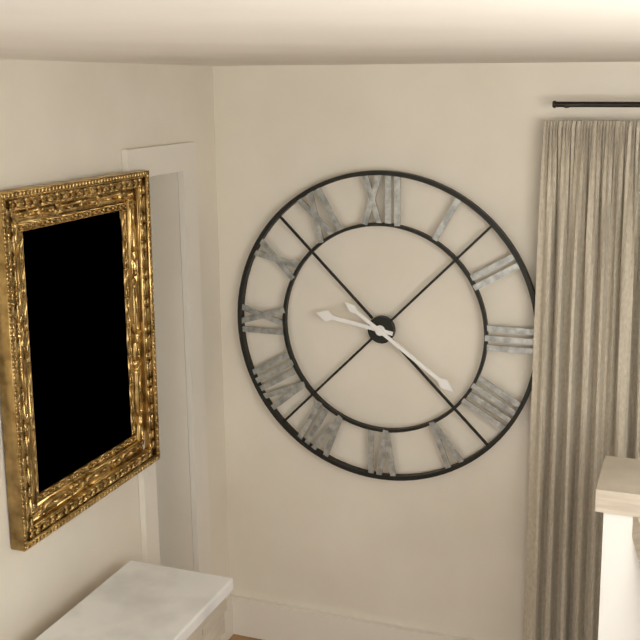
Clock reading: {"hour": 9, "minute": 21}
